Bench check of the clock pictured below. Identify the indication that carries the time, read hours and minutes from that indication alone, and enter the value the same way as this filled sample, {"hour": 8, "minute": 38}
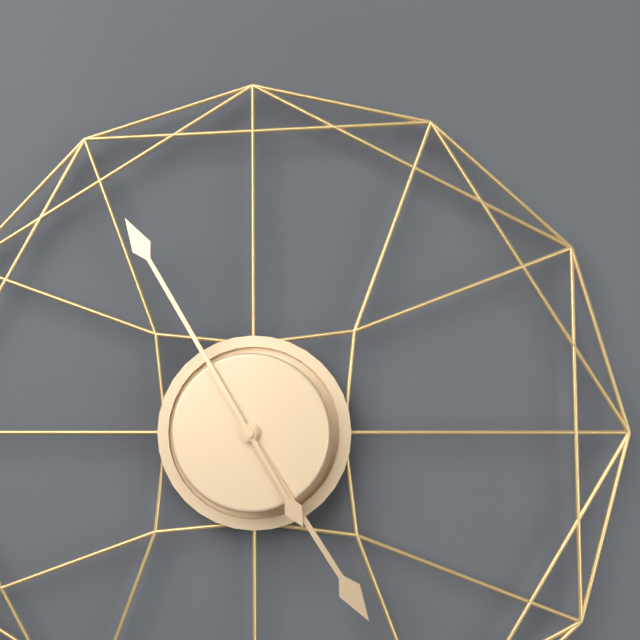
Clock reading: {"hour": 4, "minute": 55}
